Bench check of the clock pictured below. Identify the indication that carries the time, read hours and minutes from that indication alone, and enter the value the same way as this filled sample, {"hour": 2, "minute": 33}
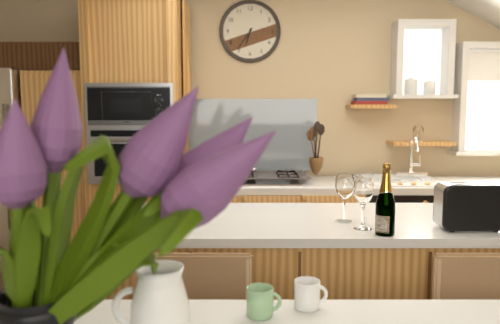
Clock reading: {"hour": 6, "minute": 36}
